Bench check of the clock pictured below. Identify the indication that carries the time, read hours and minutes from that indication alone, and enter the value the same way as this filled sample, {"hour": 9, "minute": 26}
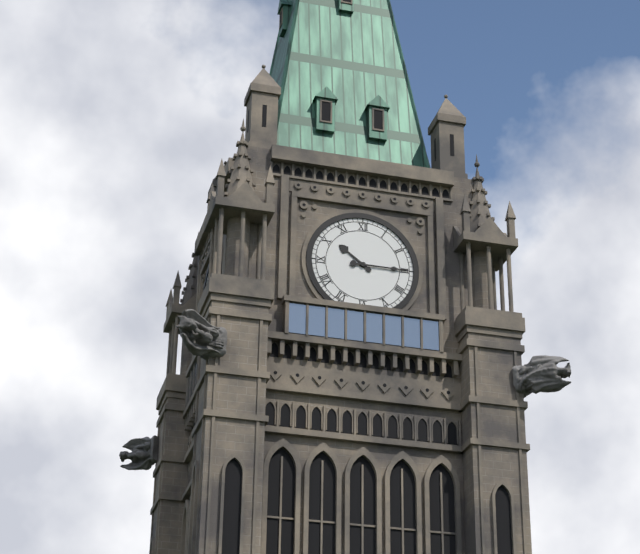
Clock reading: {"hour": 10, "minute": 15}
